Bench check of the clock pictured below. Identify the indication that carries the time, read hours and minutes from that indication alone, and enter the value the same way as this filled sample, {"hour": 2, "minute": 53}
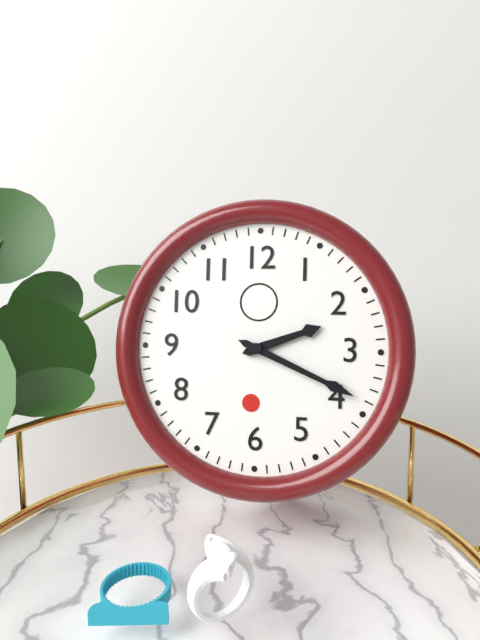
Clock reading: {"hour": 2, "minute": 19}
